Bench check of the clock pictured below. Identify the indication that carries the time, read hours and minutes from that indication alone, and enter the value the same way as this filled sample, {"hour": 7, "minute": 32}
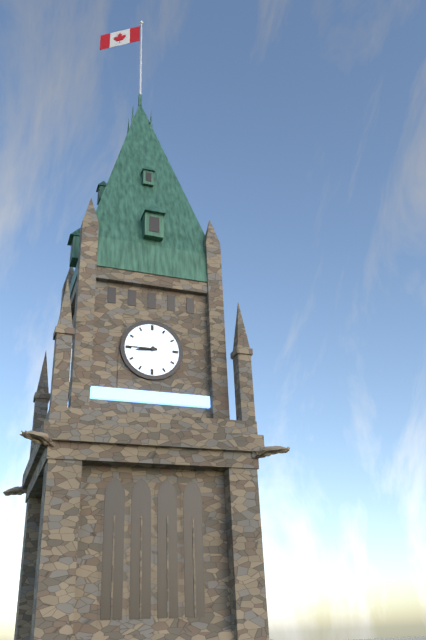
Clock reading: {"hour": 8, "minute": 45}
